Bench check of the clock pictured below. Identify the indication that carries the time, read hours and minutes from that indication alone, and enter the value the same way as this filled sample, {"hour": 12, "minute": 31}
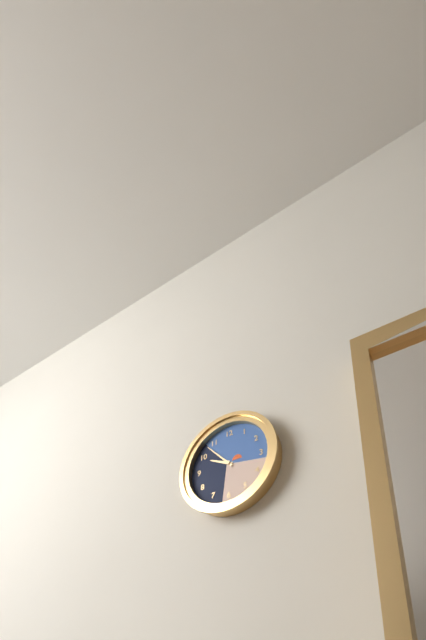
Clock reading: {"hour": 9, "minute": 53}
